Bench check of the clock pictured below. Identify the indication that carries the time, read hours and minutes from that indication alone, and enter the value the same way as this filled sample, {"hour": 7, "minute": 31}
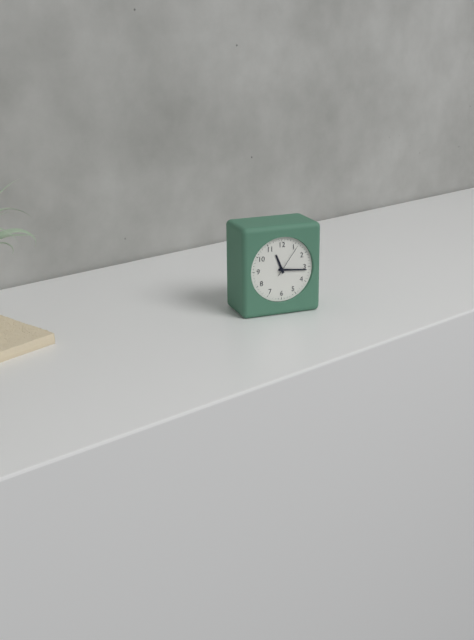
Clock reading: {"hour": 11, "minute": 16}
